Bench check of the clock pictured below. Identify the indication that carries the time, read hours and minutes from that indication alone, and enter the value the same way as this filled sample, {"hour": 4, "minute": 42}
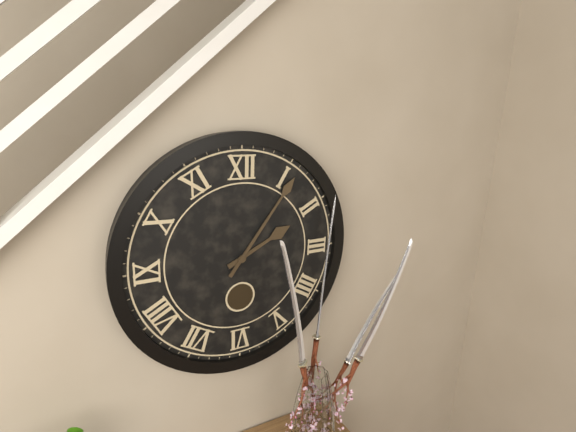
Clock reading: {"hour": 2, "minute": 6}
